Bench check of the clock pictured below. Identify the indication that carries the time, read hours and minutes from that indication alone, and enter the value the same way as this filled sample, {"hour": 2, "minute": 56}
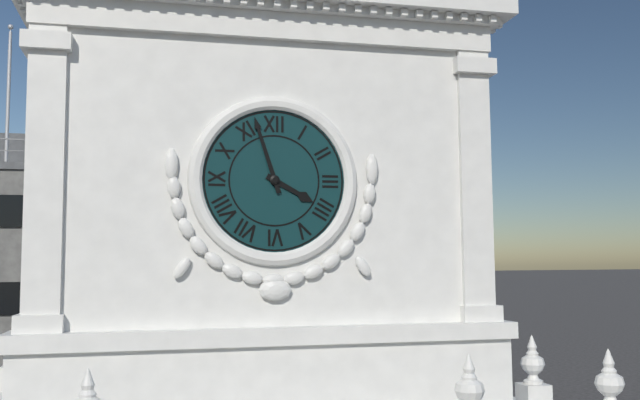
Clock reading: {"hour": 3, "minute": 57}
